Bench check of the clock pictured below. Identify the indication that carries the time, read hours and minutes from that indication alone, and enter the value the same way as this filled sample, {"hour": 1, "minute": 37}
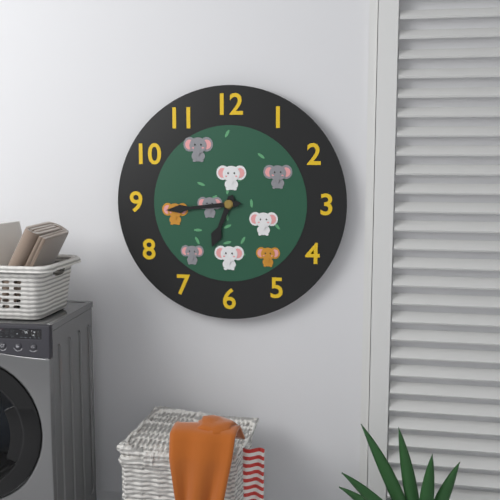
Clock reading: {"hour": 6, "minute": 44}
